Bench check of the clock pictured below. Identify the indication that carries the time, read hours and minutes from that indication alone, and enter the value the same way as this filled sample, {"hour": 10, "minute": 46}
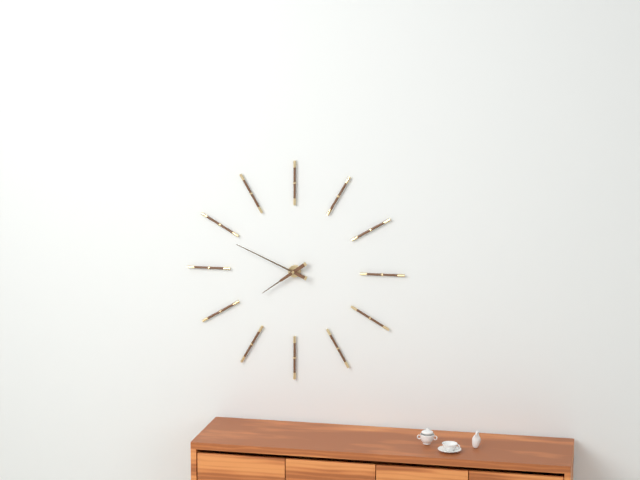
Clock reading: {"hour": 7, "minute": 49}
